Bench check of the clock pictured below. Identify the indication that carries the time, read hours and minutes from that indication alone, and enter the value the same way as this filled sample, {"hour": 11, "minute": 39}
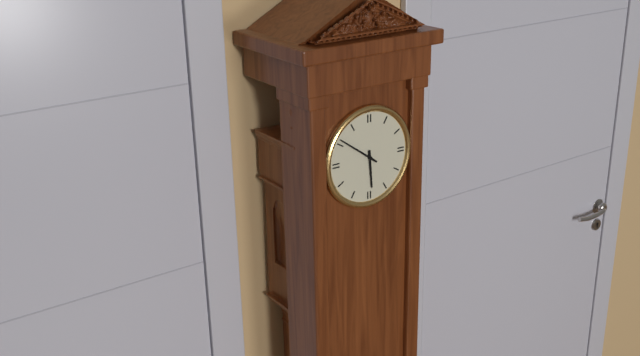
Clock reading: {"hour": 5, "minute": 51}
